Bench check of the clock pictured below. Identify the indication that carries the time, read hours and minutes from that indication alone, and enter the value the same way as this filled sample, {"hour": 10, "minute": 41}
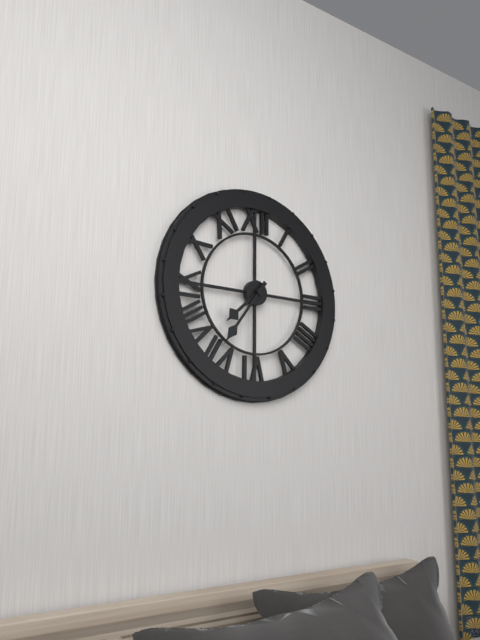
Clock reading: {"hour": 7, "minute": 36}
